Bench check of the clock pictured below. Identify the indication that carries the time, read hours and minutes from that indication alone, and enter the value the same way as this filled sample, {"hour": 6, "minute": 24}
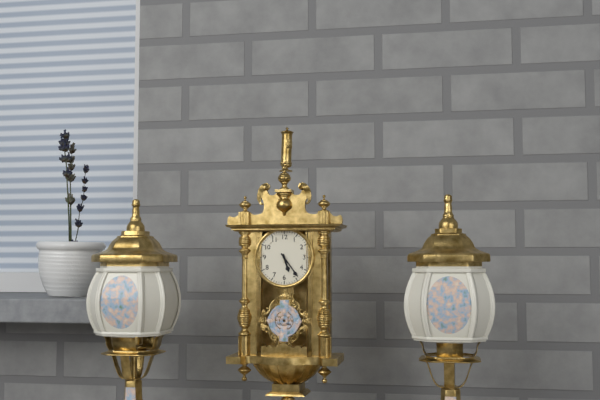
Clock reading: {"hour": 5, "minute": 24}
